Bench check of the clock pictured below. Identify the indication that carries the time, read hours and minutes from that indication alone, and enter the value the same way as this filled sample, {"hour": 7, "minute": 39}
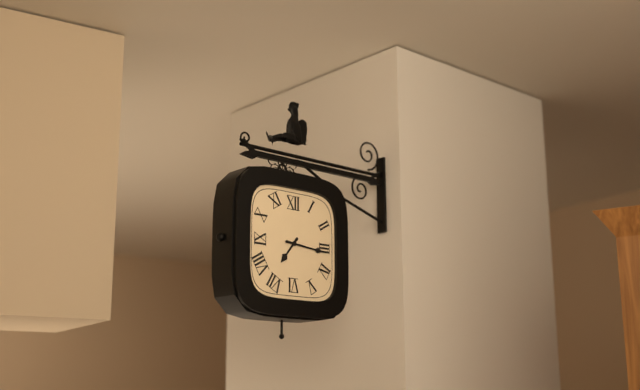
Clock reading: {"hour": 7, "minute": 16}
